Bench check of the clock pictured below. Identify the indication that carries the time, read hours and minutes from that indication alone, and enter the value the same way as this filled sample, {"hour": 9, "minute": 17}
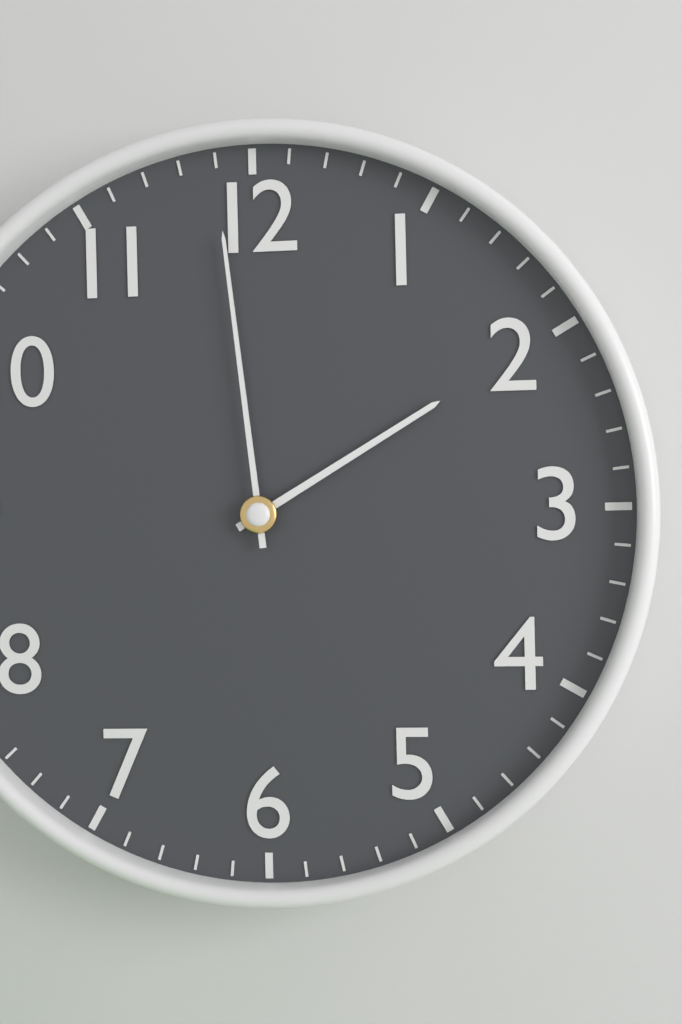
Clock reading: {"hour": 1, "minute": 59}
